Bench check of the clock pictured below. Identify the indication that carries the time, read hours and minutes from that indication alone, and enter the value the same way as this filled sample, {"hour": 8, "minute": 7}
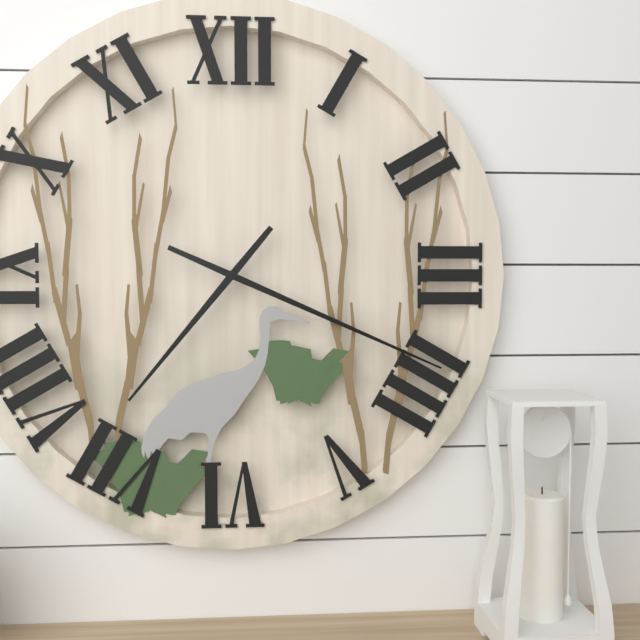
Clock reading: {"hour": 7, "minute": 19}
